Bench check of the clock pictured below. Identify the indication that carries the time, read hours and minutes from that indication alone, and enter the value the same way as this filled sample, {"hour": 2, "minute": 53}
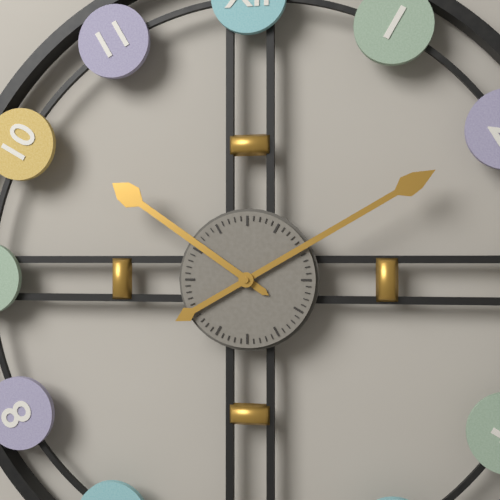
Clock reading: {"hour": 10, "minute": 10}
